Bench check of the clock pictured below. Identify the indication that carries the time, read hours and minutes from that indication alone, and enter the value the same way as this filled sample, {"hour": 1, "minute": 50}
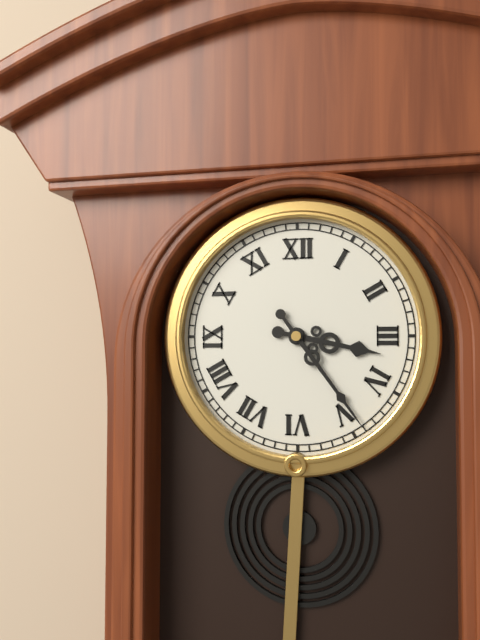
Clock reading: {"hour": 3, "minute": 24}
